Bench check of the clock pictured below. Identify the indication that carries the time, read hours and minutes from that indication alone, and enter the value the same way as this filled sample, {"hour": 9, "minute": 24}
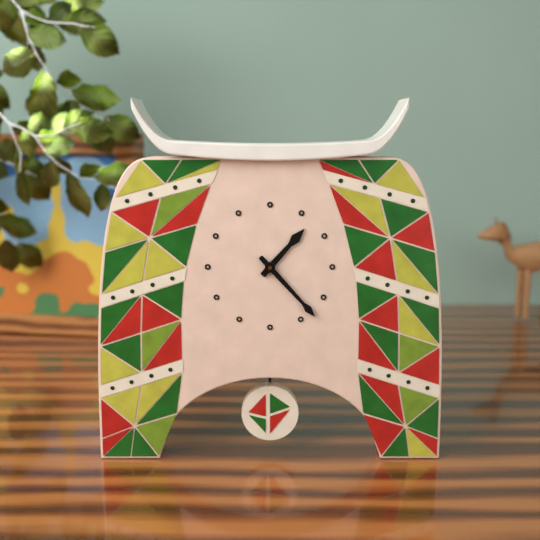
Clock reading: {"hour": 1, "minute": 23}
